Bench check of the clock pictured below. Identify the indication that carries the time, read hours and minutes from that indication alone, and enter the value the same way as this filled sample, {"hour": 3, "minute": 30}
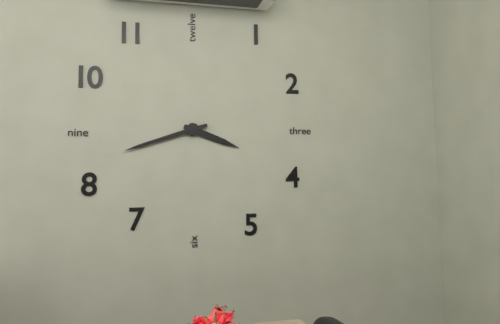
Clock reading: {"hour": 3, "minute": 42}
